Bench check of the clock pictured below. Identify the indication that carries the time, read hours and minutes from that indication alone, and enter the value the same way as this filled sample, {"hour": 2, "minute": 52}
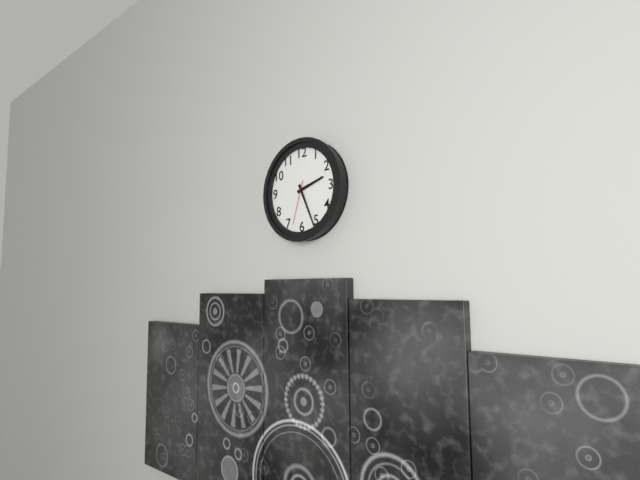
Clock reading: {"hour": 2, "minute": 26}
